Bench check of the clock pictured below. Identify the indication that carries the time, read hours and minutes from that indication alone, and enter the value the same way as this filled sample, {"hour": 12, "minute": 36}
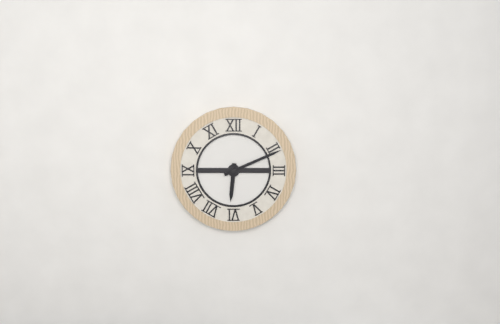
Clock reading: {"hour": 6, "minute": 11}
